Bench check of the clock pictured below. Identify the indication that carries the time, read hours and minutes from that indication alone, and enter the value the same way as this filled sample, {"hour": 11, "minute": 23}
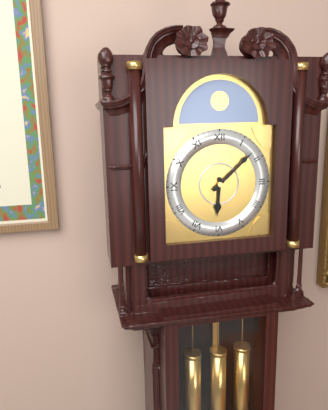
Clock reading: {"hour": 6, "minute": 8}
